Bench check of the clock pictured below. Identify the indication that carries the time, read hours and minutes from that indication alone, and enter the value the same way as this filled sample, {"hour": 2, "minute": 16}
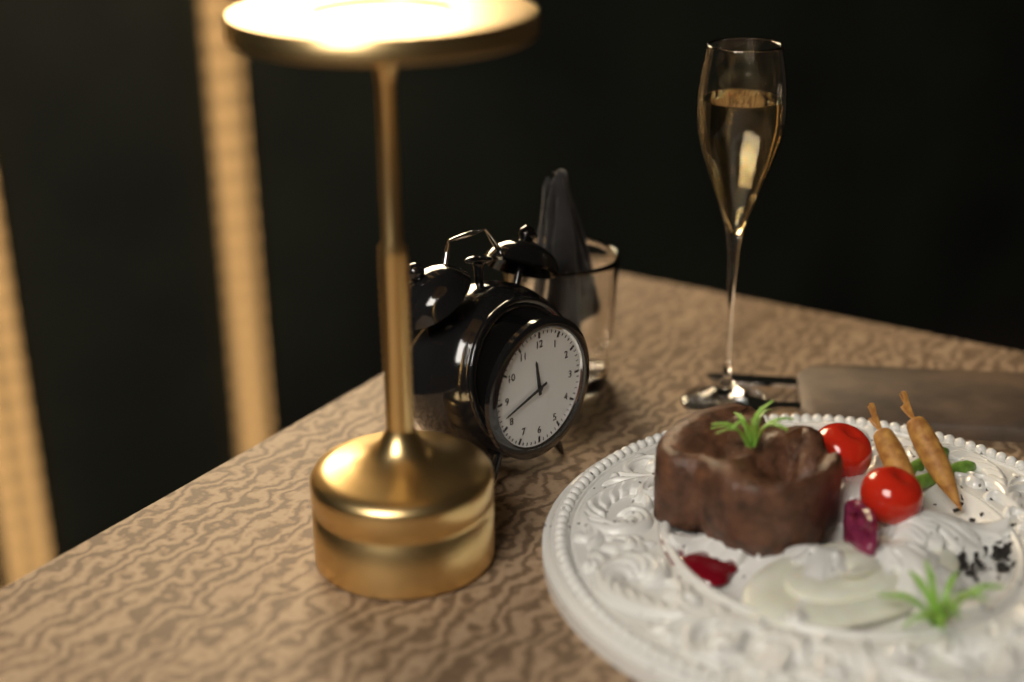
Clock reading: {"hour": 11, "minute": 42}
